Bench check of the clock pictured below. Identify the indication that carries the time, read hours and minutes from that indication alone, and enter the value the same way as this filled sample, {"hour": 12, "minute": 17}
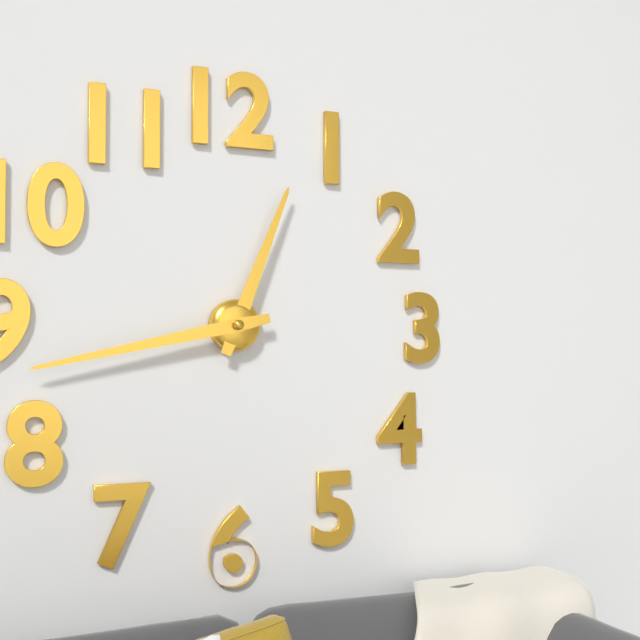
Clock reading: {"hour": 12, "minute": 43}
